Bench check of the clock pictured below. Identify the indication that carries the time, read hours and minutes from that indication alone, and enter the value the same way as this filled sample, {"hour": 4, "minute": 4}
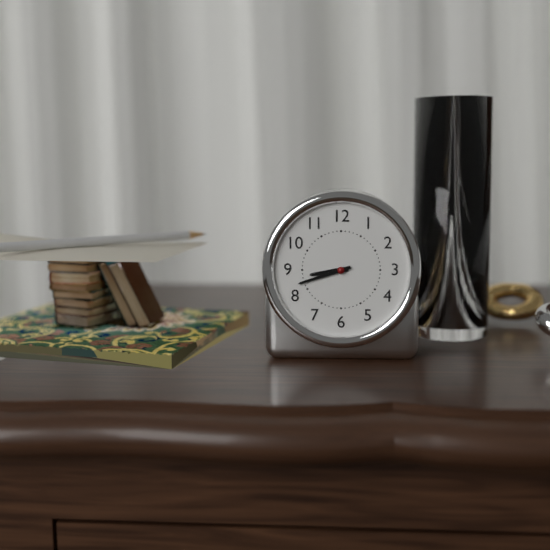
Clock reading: {"hour": 8, "minute": 42}
